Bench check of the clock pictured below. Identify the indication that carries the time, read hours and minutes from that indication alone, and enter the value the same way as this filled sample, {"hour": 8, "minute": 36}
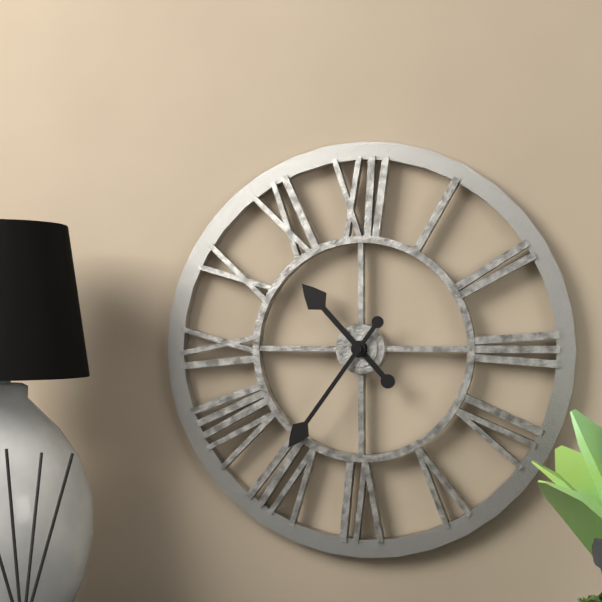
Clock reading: {"hour": 10, "minute": 36}
